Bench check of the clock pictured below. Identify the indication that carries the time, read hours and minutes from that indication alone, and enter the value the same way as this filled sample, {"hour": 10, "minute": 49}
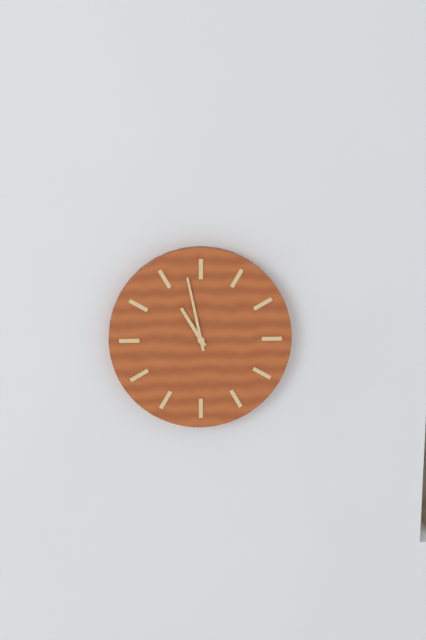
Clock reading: {"hour": 10, "minute": 58}
